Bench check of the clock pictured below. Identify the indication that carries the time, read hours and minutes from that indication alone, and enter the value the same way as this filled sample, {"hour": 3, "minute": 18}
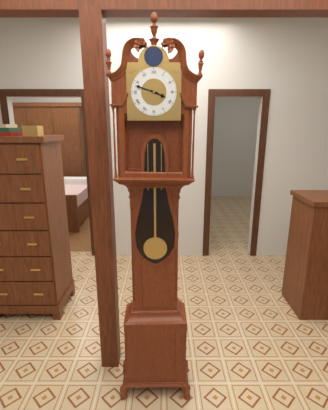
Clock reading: {"hour": 3, "minute": 48}
